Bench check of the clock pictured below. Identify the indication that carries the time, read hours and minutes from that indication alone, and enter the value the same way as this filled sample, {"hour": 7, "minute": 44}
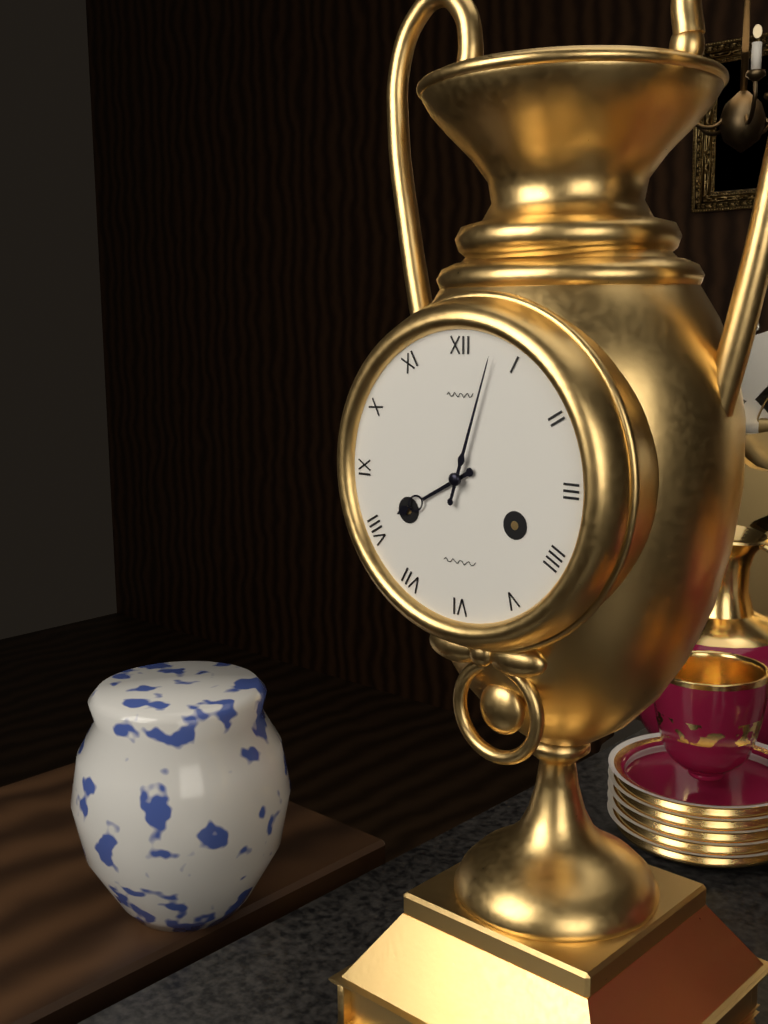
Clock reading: {"hour": 8, "minute": 3}
